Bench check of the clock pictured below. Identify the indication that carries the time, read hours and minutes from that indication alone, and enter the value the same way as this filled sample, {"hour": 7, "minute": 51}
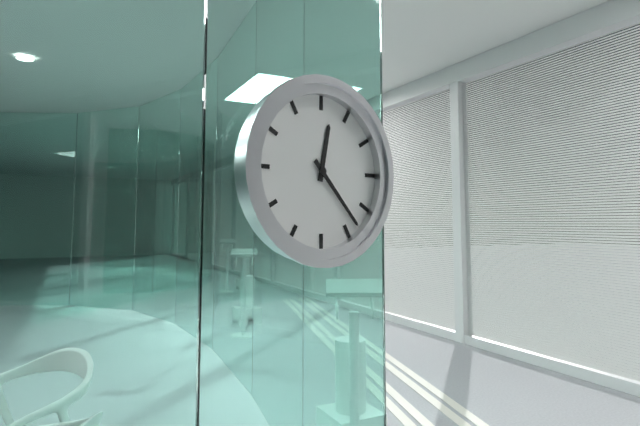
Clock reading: {"hour": 12, "minute": 23}
